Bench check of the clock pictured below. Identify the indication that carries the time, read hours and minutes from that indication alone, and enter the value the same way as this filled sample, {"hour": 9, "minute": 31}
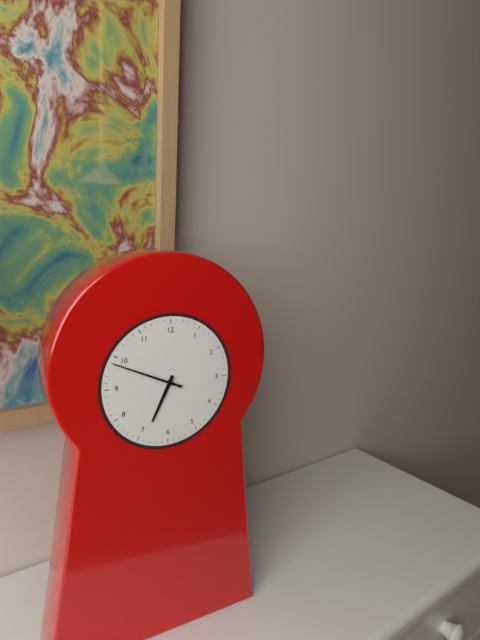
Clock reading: {"hour": 6, "minute": 49}
